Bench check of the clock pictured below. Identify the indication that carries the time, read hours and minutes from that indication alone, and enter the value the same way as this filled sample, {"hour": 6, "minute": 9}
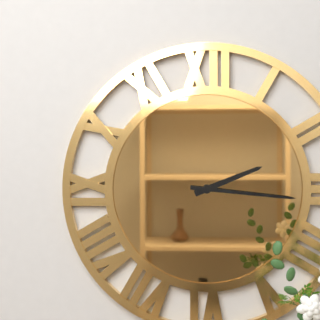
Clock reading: {"hour": 2, "minute": 16}
